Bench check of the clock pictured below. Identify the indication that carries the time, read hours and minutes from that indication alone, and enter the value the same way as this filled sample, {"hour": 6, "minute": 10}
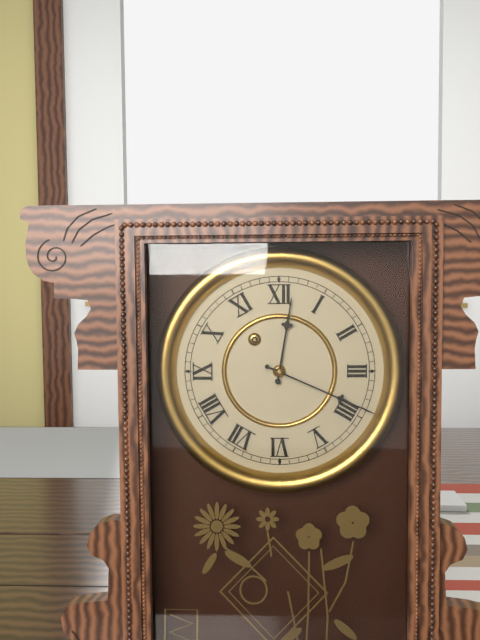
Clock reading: {"hour": 12, "minute": 19}
